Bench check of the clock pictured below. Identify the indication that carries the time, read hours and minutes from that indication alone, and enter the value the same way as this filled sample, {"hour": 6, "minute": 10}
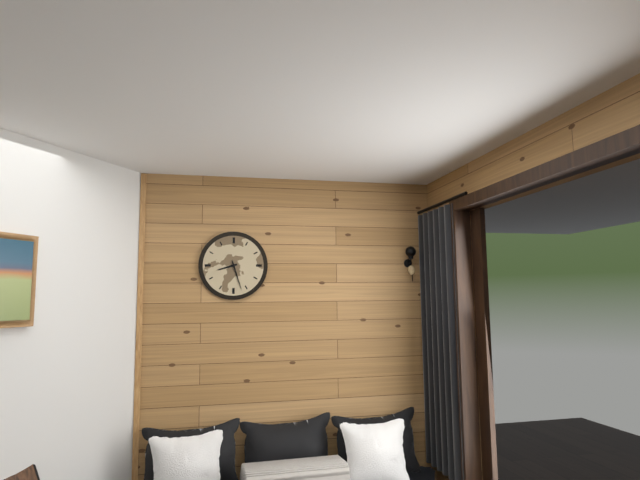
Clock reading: {"hour": 8, "minute": 27}
